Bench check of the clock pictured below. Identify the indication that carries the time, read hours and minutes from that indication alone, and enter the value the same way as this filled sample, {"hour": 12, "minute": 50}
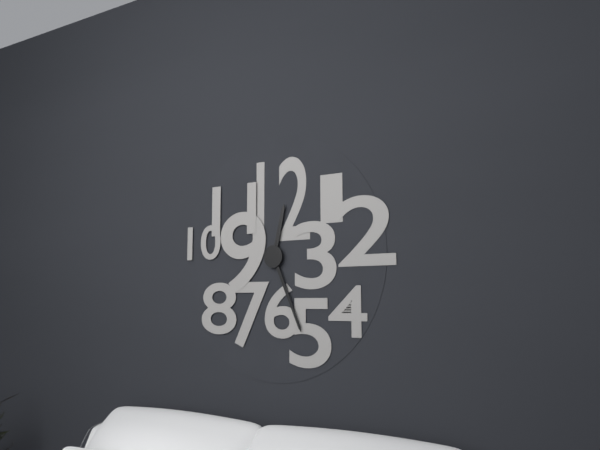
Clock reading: {"hour": 12, "minute": 26}
